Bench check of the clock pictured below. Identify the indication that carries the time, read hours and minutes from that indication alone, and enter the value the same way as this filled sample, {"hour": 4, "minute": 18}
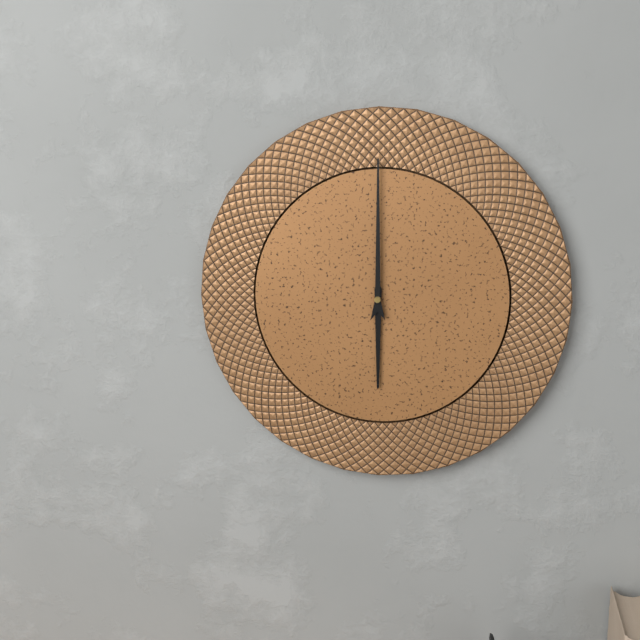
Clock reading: {"hour": 6, "minute": 0}
